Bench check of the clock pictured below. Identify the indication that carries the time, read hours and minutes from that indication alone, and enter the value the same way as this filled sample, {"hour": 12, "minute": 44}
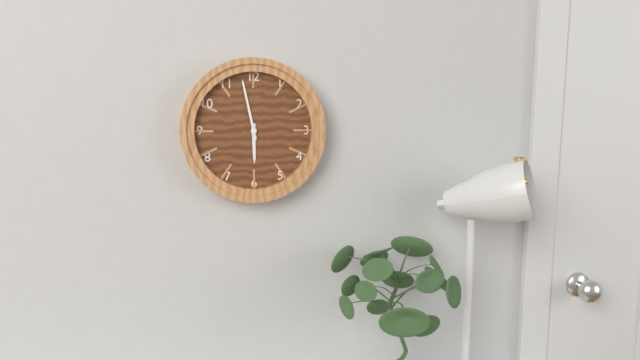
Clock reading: {"hour": 5, "minute": 58}
